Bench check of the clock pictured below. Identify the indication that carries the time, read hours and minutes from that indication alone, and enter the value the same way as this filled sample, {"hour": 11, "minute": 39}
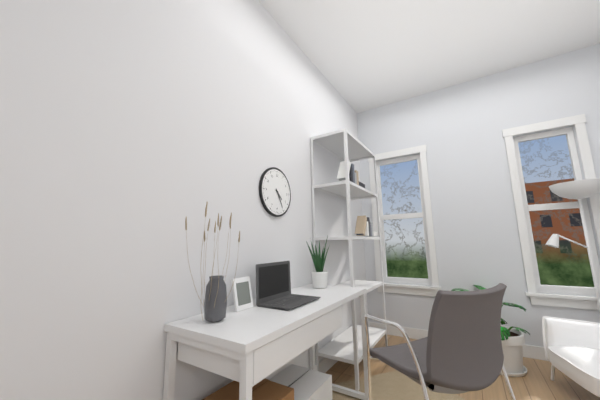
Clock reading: {"hour": 4, "minute": 25}
